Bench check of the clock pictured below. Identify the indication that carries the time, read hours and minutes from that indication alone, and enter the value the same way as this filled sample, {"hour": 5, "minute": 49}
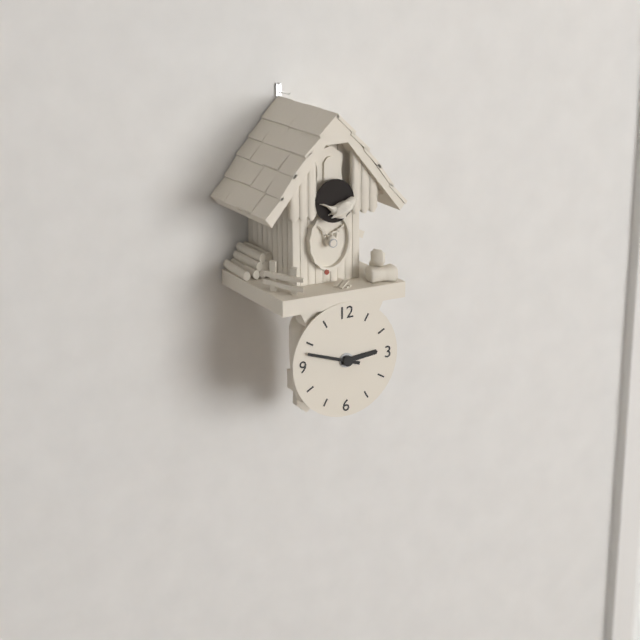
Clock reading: {"hour": 2, "minute": 48}
